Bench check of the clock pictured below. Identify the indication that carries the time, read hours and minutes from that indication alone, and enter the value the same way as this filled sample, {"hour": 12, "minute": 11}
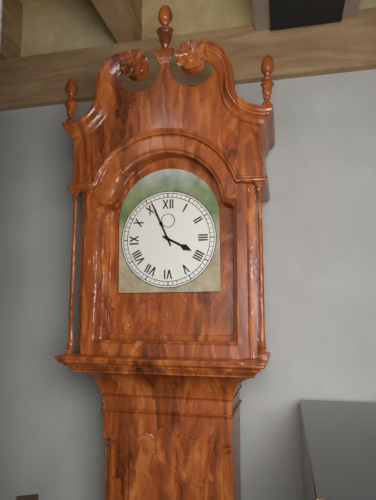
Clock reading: {"hour": 3, "minute": 56}
